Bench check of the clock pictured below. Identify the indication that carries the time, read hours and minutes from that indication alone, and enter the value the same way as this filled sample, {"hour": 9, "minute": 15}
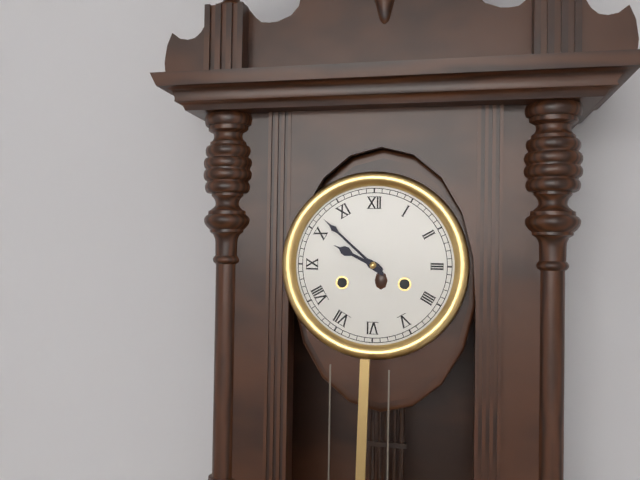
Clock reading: {"hour": 9, "minute": 52}
